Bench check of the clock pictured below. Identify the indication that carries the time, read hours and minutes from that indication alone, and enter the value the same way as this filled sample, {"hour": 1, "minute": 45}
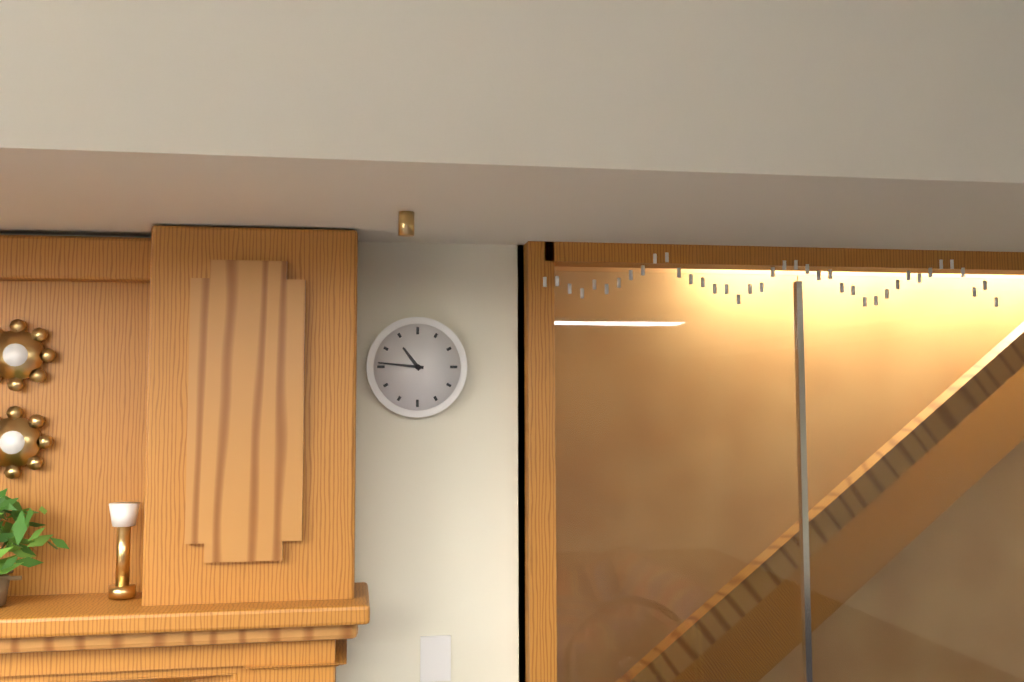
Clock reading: {"hour": 10, "minute": 46}
